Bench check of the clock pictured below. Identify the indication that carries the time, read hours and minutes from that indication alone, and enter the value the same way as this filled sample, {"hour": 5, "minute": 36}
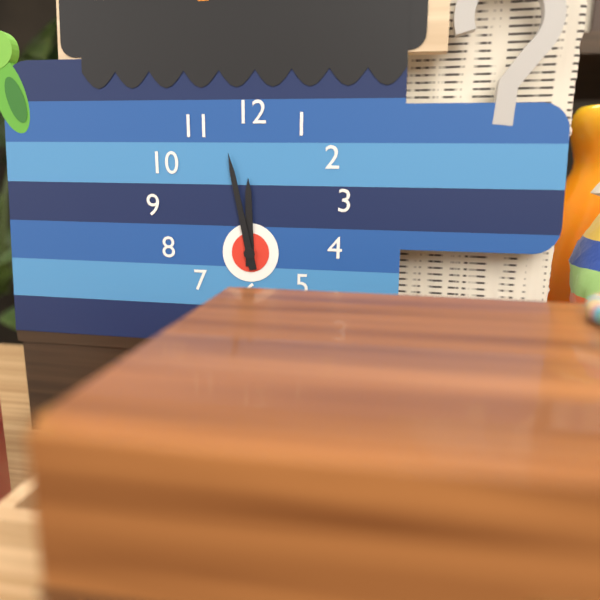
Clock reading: {"hour": 11, "minute": 58}
